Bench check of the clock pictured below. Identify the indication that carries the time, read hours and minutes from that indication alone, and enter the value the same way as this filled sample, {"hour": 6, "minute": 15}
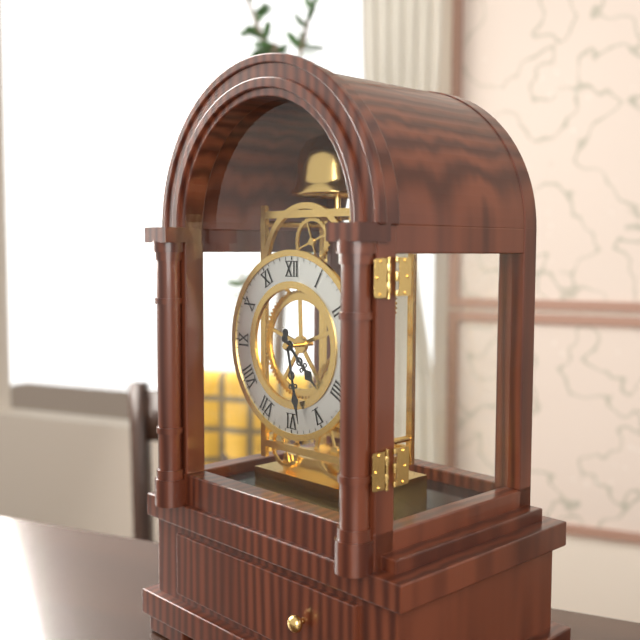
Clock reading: {"hour": 4, "minute": 28}
